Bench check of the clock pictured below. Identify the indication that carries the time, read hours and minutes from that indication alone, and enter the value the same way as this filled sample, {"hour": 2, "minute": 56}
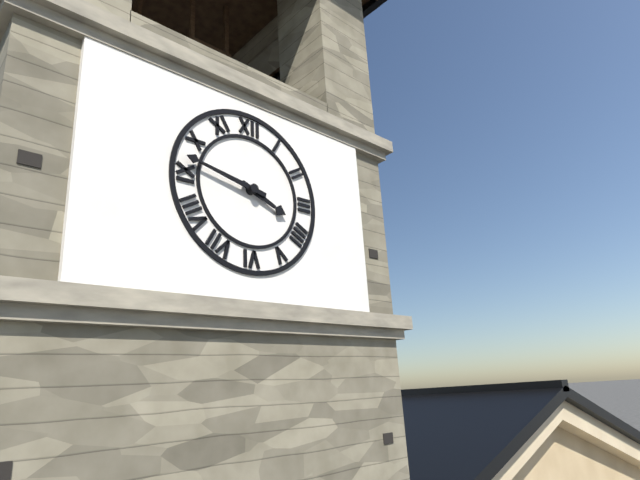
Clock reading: {"hour": 3, "minute": 47}
